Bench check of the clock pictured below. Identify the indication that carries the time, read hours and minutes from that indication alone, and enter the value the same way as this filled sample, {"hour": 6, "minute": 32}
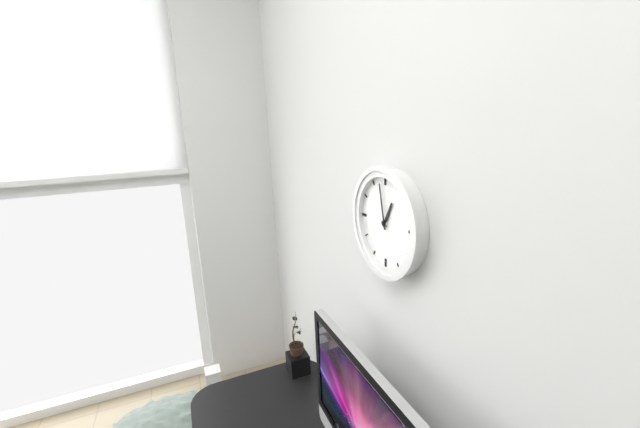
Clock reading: {"hour": 12, "minute": 58}
